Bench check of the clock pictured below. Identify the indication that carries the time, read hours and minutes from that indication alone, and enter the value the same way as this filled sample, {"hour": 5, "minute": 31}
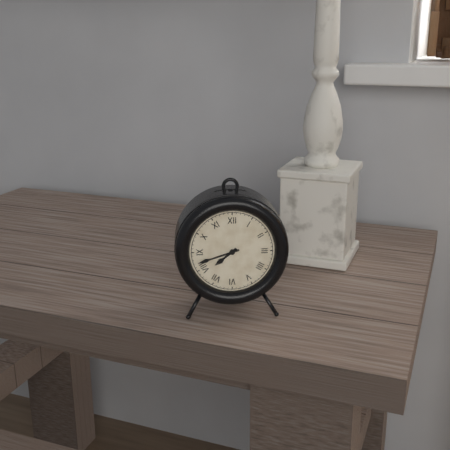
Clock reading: {"hour": 7, "minute": 42}
